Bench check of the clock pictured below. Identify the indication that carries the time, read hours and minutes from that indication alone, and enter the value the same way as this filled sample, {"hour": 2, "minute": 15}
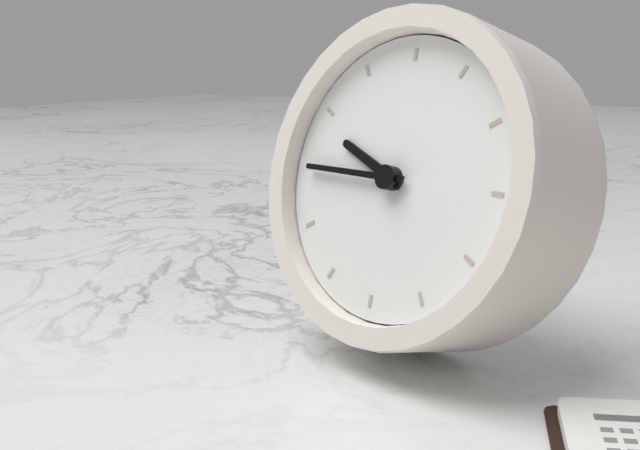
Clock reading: {"hour": 9, "minute": 45}
